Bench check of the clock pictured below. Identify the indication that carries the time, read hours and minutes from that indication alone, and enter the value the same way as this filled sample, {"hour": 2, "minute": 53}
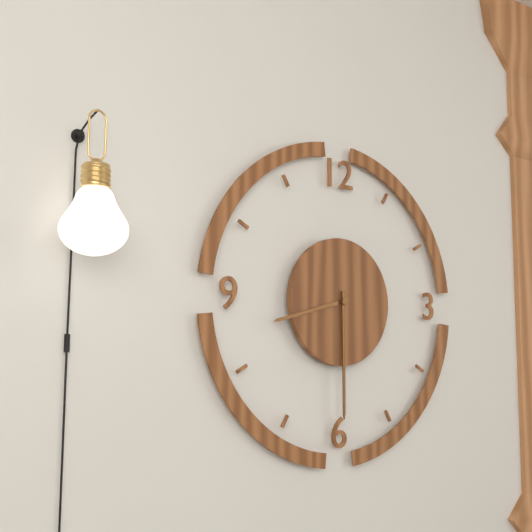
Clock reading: {"hour": 8, "minute": 30}
